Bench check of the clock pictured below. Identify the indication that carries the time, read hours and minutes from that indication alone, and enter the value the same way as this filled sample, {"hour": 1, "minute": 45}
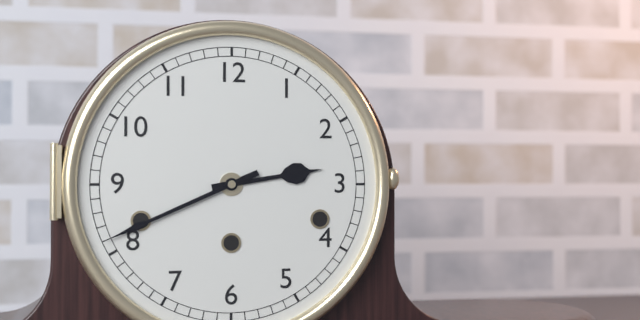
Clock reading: {"hour": 2, "minute": 41}
